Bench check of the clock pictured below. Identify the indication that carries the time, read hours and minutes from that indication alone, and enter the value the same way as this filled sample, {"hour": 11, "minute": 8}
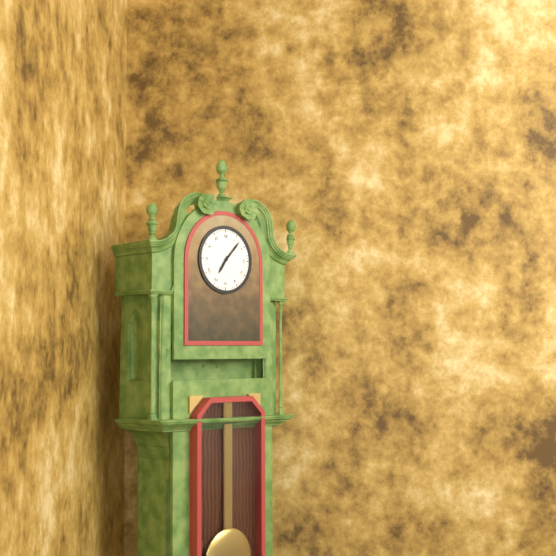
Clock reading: {"hour": 7, "minute": 7}
